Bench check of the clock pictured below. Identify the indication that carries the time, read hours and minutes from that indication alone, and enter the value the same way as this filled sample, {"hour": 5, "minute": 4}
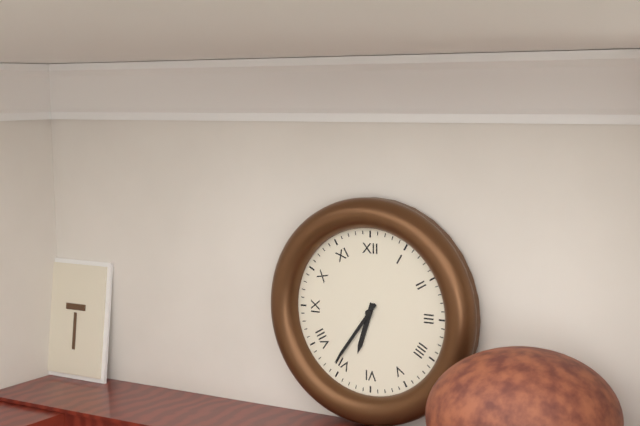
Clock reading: {"hour": 6, "minute": 36}
